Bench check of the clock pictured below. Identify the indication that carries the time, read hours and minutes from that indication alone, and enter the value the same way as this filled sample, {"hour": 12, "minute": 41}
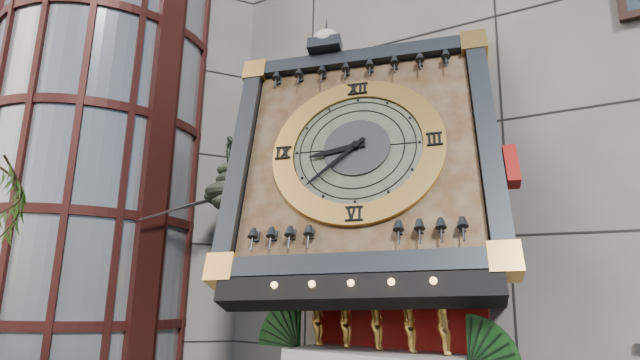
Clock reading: {"hour": 8, "minute": 38}
